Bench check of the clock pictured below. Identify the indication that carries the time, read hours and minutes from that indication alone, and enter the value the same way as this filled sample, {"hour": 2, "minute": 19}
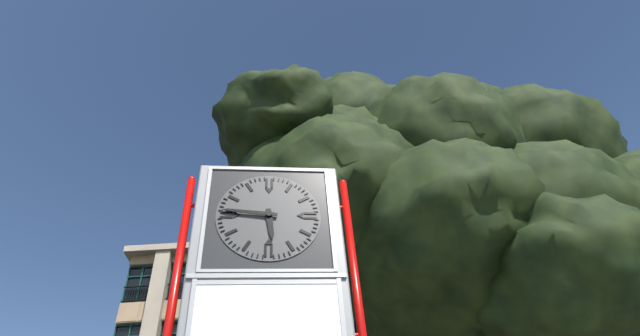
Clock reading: {"hour": 5, "minute": 46}
